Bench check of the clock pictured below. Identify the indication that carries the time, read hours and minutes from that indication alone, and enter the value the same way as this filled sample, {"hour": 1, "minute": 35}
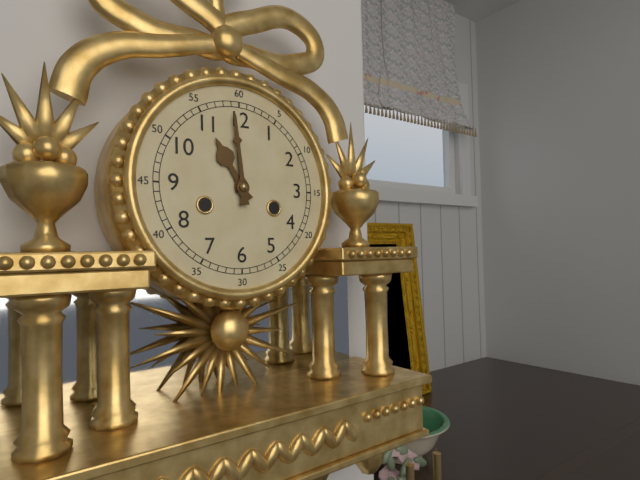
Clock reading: {"hour": 10, "minute": 59}
